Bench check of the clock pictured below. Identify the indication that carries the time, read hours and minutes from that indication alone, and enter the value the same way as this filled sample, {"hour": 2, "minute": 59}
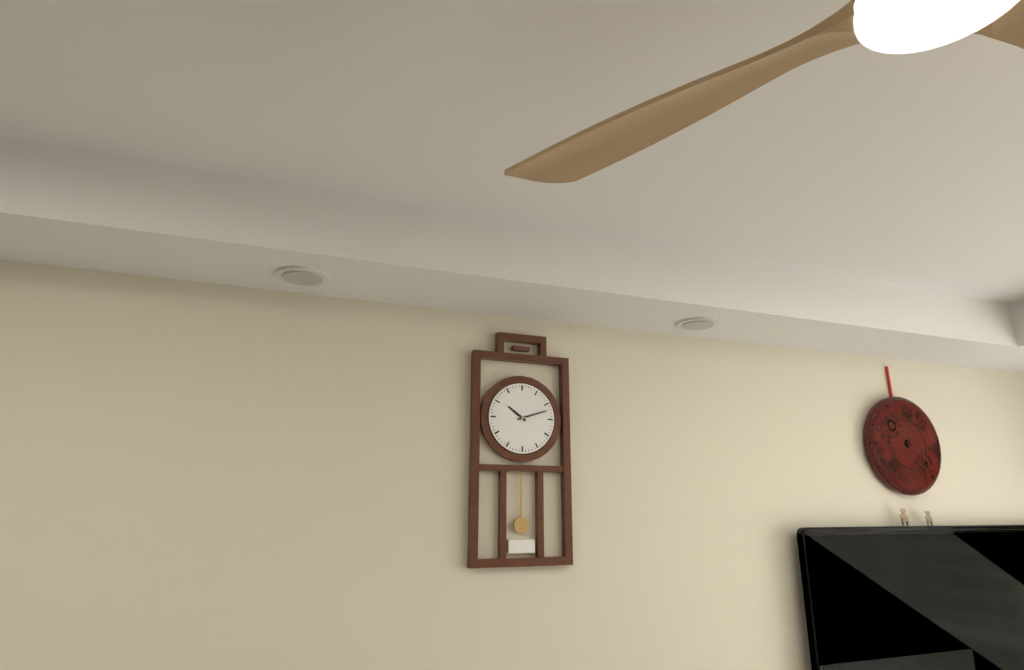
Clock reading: {"hour": 10, "minute": 12}
